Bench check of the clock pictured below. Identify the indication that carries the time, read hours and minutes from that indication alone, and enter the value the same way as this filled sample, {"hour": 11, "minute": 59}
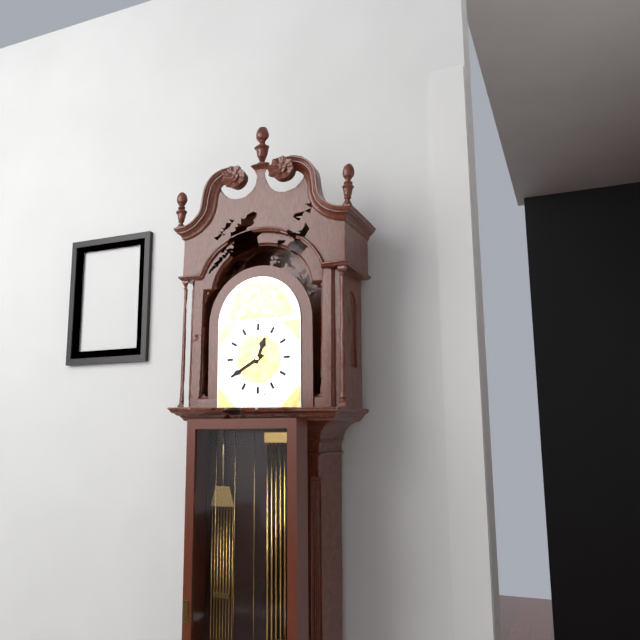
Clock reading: {"hour": 12, "minute": 40}
